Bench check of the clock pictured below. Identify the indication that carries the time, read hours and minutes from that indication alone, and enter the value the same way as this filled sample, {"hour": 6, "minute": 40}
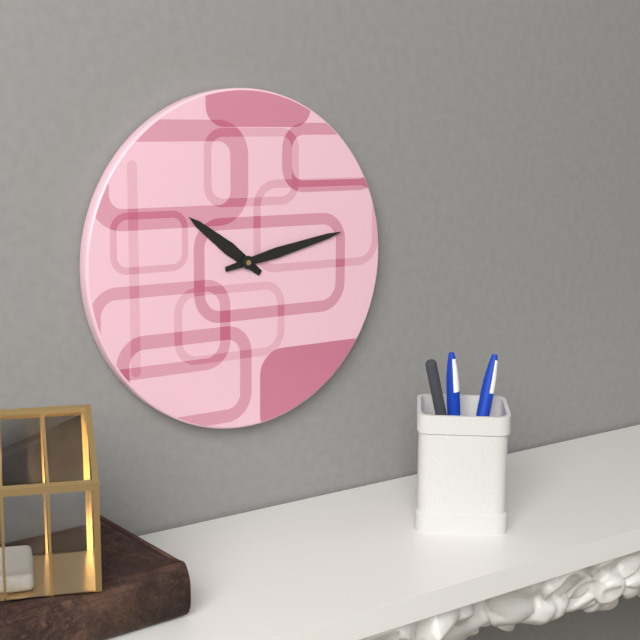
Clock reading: {"hour": 10, "minute": 13}
